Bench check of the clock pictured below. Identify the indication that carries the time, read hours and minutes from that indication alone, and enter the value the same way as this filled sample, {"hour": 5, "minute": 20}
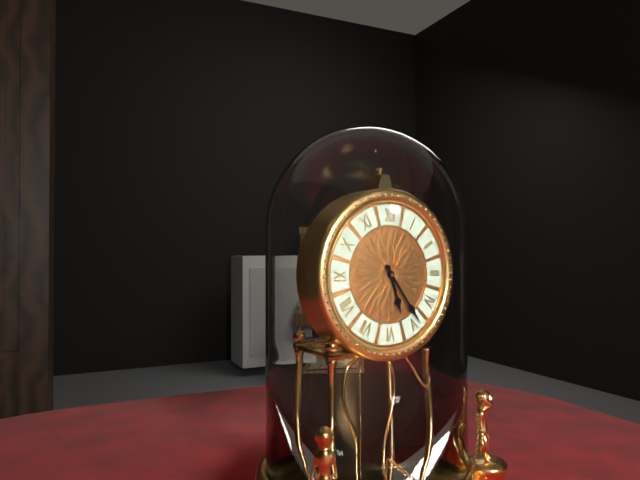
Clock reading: {"hour": 5, "minute": 24}
